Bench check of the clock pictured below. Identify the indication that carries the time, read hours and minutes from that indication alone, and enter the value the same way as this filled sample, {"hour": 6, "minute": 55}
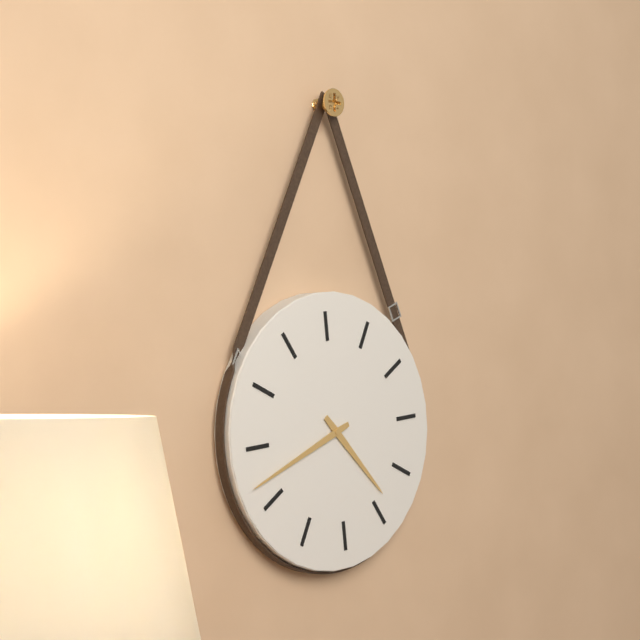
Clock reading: {"hour": 4, "minute": 42}
